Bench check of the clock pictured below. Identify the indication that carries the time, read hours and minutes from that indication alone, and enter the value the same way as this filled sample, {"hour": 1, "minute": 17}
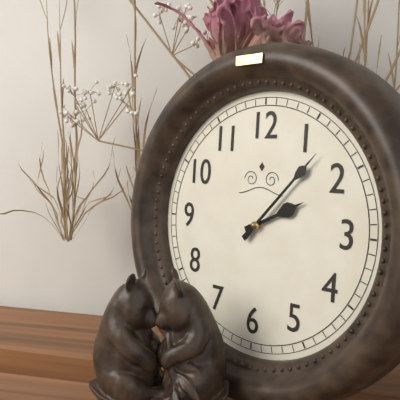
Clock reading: {"hour": 2, "minute": 7}
